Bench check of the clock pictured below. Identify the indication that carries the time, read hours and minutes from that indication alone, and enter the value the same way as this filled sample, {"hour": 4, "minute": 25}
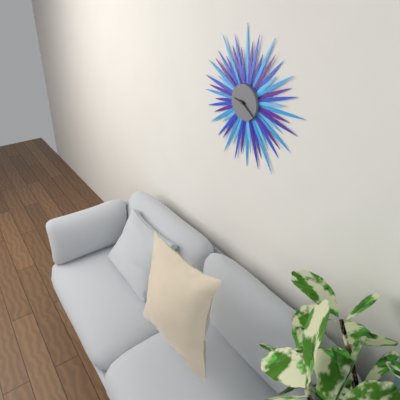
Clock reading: {"hour": 9, "minute": 21}
